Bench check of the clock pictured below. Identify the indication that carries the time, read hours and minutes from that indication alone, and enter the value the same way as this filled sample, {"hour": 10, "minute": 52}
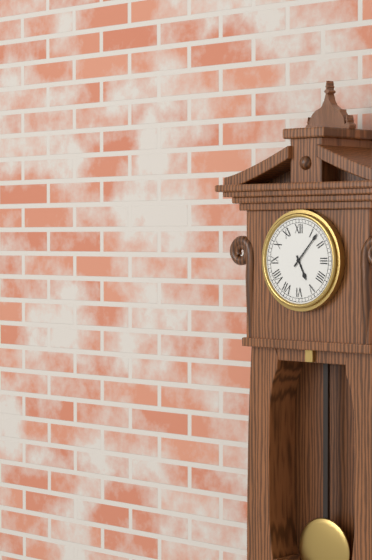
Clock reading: {"hour": 5, "minute": 7}
